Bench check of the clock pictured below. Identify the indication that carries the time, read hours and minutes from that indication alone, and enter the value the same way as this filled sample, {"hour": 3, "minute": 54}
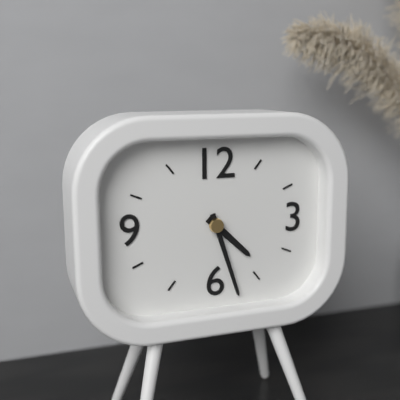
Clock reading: {"hour": 4, "minute": 27}
